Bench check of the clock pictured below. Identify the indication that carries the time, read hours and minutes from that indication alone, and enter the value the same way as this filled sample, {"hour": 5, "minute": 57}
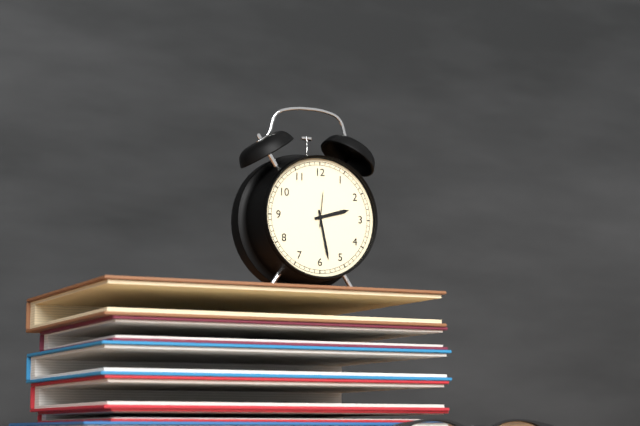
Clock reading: {"hour": 2, "minute": 28}
